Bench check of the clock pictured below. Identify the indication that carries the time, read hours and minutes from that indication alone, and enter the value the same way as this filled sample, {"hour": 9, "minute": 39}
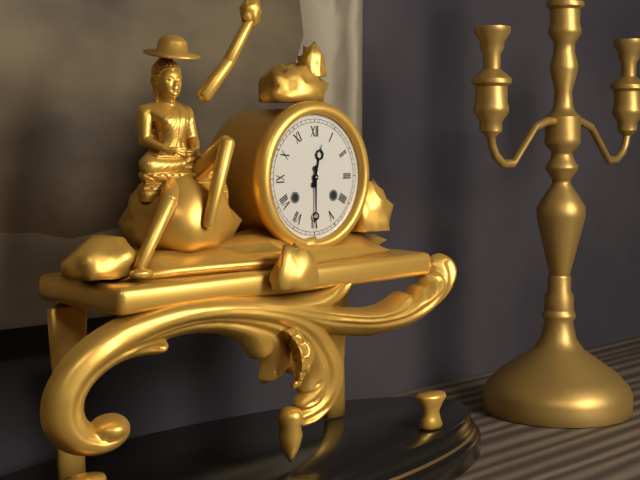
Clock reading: {"hour": 12, "minute": 30}
